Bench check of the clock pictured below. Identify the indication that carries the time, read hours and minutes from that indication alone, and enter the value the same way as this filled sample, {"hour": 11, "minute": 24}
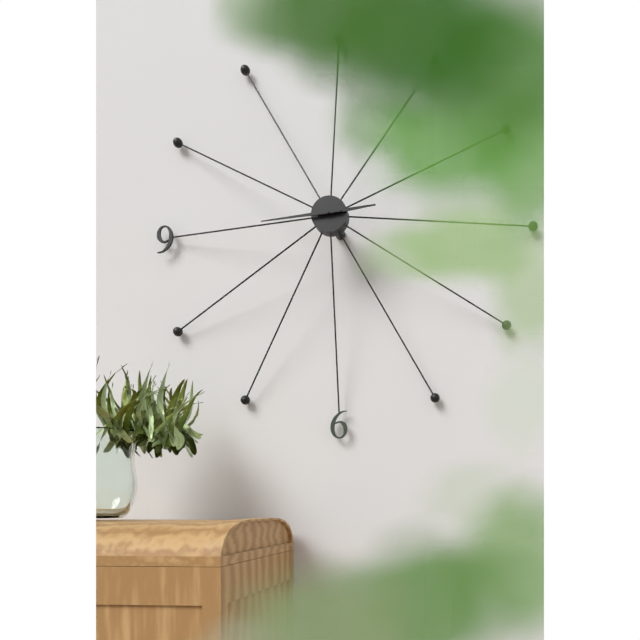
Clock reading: {"hour": 2, "minute": 44}
